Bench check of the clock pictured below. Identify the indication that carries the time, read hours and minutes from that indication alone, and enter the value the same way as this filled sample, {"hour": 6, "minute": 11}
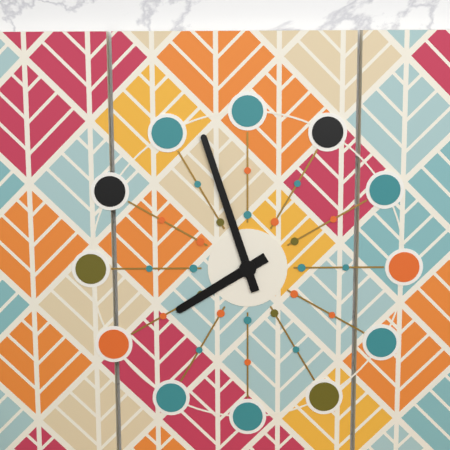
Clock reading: {"hour": 7, "minute": 57}
